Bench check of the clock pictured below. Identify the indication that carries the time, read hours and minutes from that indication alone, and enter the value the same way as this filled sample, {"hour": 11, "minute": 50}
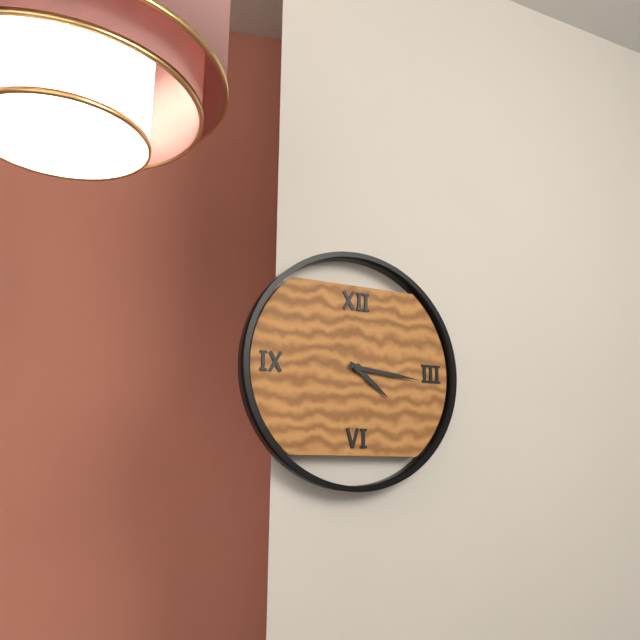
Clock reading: {"hour": 4, "minute": 16}
